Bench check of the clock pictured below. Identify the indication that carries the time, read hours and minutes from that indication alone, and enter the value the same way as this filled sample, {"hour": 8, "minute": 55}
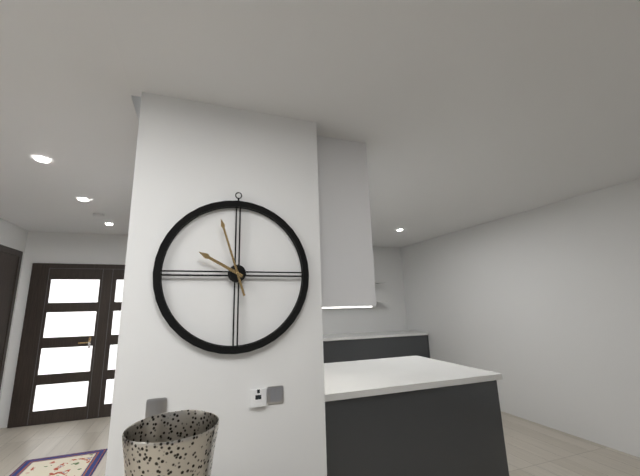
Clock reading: {"hour": 9, "minute": 57}
